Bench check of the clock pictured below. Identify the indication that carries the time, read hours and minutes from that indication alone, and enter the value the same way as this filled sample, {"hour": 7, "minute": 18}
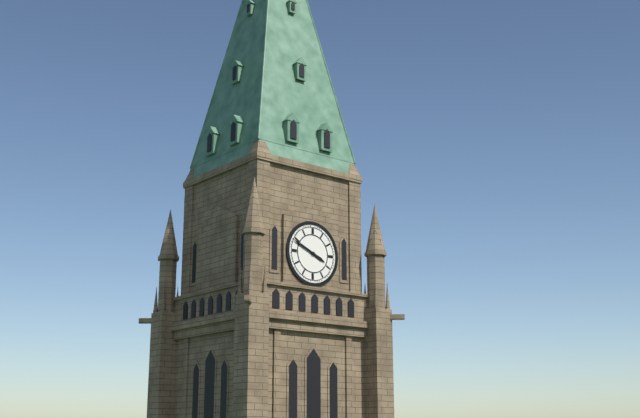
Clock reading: {"hour": 3, "minute": 49}
